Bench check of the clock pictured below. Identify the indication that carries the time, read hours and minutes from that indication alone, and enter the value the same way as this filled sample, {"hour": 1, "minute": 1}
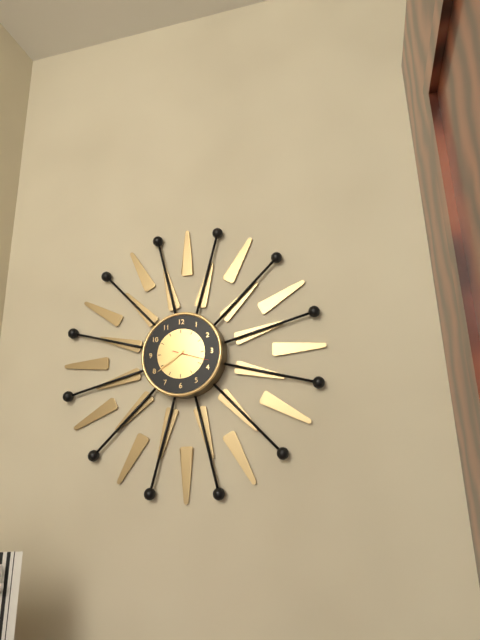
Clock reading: {"hour": 7, "minute": 39}
